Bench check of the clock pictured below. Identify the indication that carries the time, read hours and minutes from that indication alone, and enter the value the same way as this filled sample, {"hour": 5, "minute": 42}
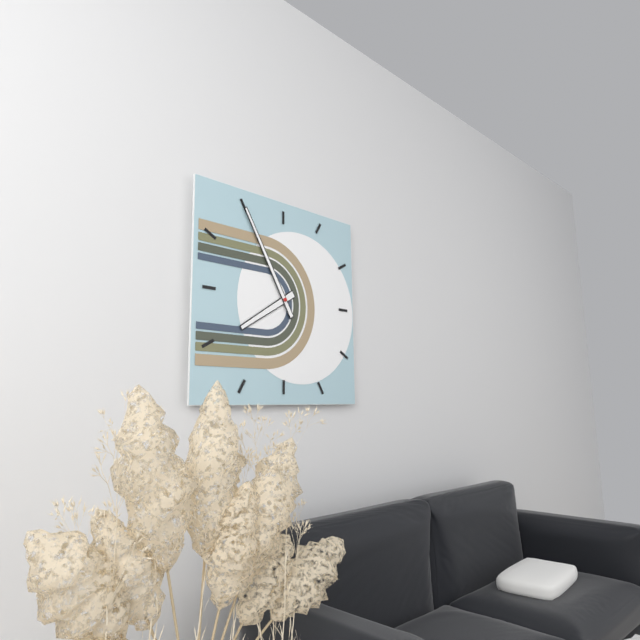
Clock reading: {"hour": 7, "minute": 55}
